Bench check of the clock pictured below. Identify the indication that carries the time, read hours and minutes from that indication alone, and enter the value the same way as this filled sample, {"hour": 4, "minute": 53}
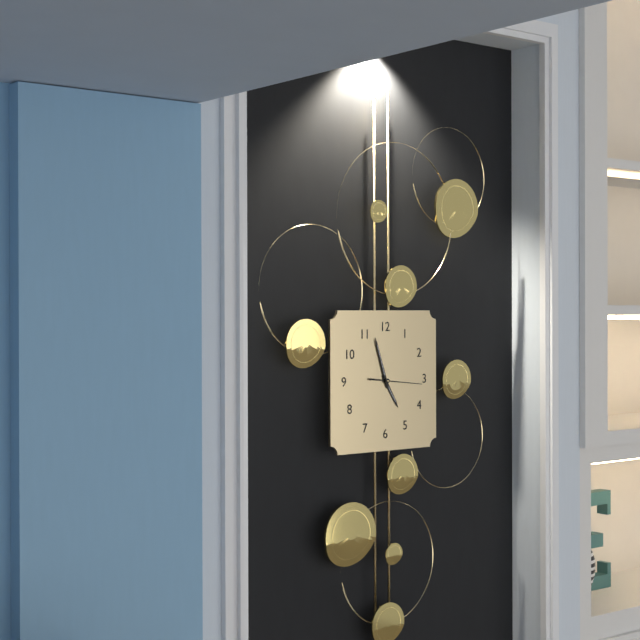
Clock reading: {"hour": 4, "minute": 57}
